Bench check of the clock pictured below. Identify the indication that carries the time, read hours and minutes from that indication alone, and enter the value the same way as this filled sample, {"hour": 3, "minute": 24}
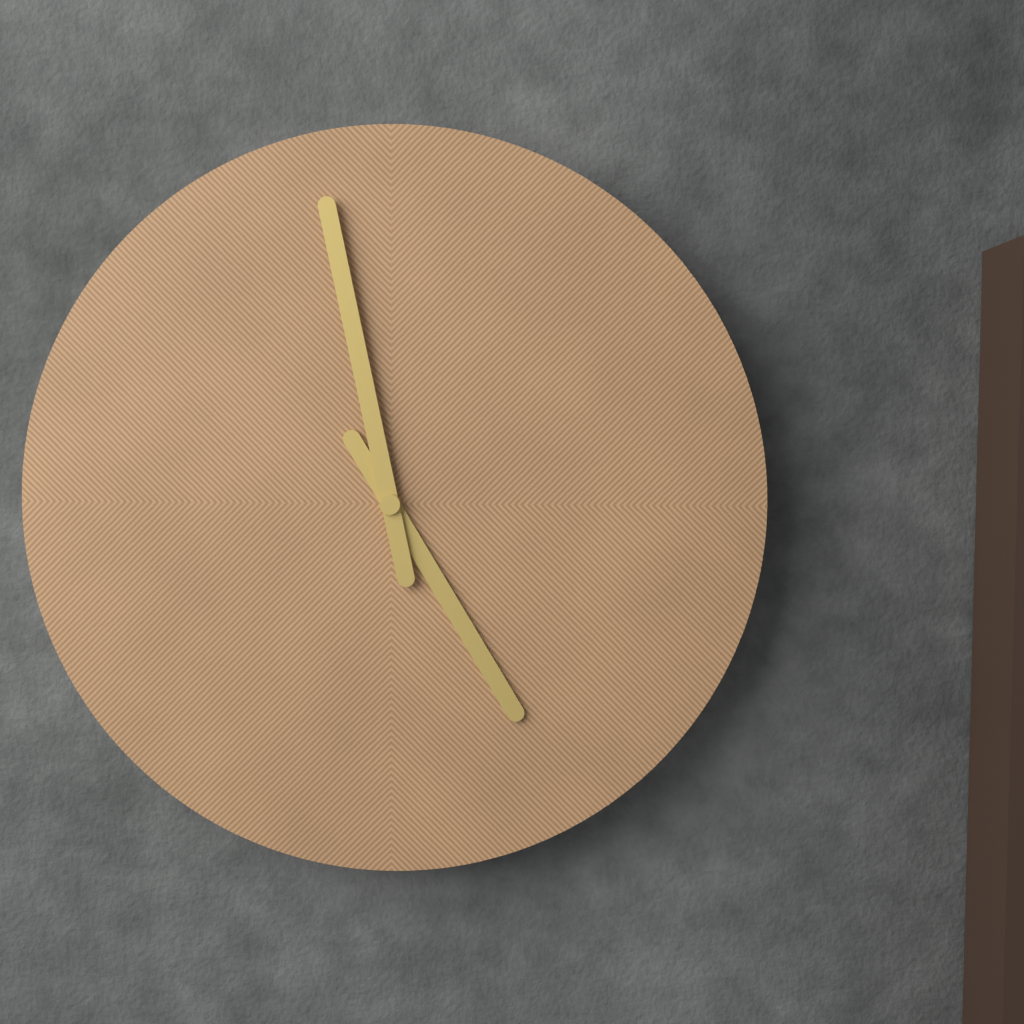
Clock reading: {"hour": 4, "minute": 58}
